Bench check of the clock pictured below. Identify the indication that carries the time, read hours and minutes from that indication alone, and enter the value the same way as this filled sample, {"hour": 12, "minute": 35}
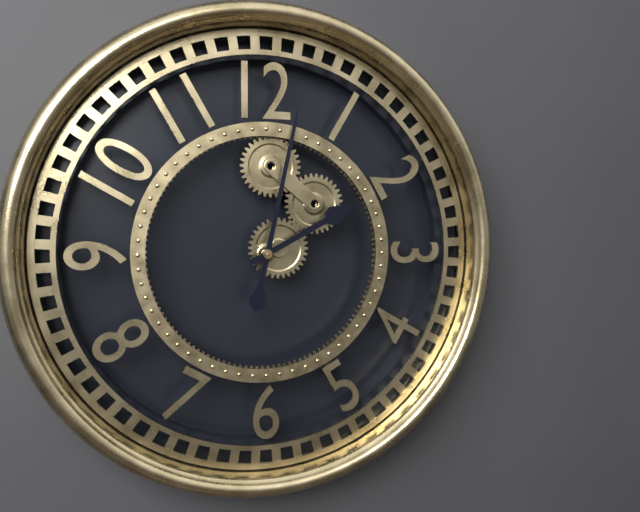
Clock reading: {"hour": 2, "minute": 2}
